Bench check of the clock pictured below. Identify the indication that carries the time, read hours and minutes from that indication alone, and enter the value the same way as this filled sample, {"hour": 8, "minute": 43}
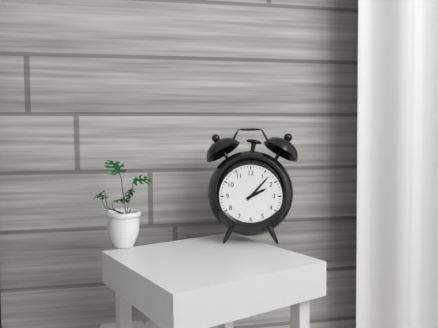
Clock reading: {"hour": 2, "minute": 7}
